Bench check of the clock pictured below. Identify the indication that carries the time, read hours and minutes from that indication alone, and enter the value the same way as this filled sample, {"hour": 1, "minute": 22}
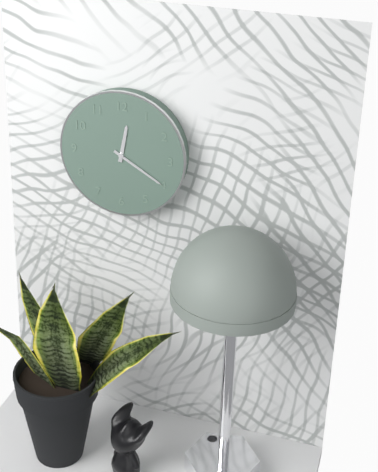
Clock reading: {"hour": 12, "minute": 20}
